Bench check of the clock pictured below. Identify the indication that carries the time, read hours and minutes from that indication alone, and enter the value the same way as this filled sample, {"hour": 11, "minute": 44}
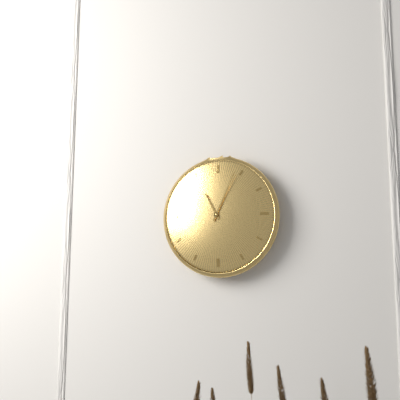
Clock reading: {"hour": 11, "minute": 4}
